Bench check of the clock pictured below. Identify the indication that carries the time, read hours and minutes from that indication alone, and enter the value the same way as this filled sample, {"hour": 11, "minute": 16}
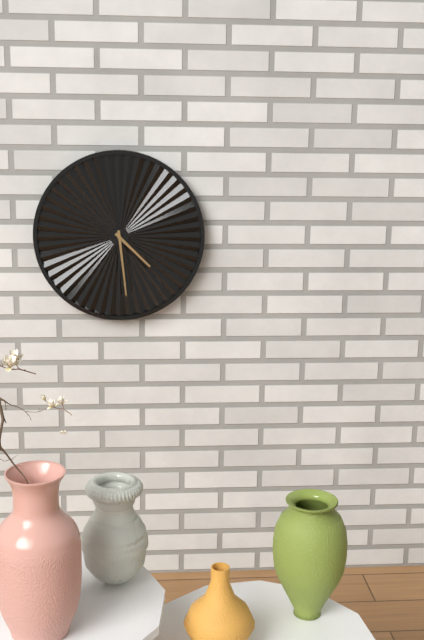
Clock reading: {"hour": 4, "minute": 29}
